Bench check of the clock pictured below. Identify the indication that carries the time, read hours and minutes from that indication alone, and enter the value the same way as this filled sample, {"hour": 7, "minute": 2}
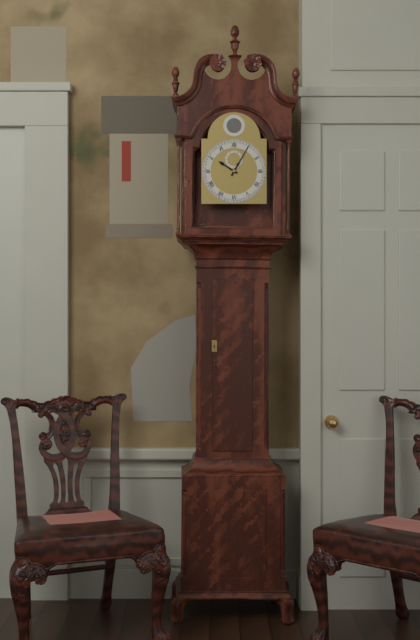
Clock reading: {"hour": 10, "minute": 5}
